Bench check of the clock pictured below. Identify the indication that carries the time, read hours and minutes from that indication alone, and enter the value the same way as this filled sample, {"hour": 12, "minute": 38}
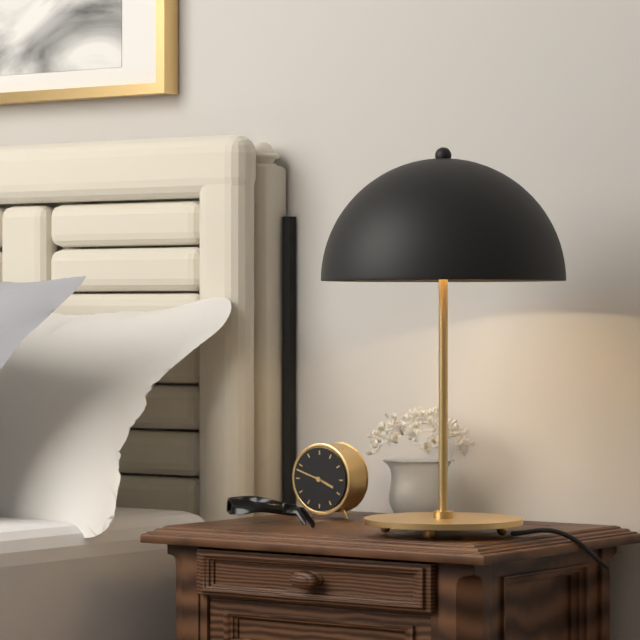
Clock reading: {"hour": 3, "minute": 48}
